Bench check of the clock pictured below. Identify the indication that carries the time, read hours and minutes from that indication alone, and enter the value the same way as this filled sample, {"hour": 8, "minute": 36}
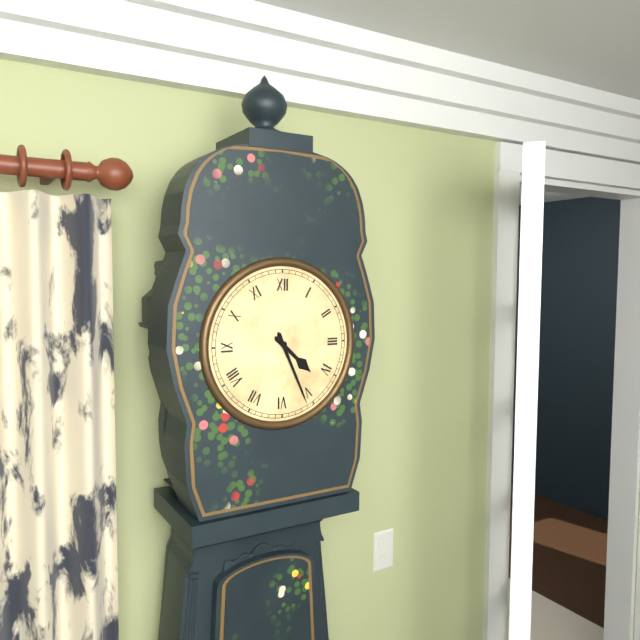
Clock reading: {"hour": 4, "minute": 26}
